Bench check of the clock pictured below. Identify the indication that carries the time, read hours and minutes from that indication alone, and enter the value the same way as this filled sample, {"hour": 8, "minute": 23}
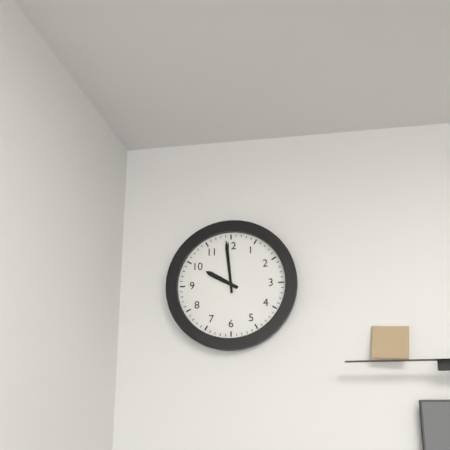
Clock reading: {"hour": 9, "minute": 59}
